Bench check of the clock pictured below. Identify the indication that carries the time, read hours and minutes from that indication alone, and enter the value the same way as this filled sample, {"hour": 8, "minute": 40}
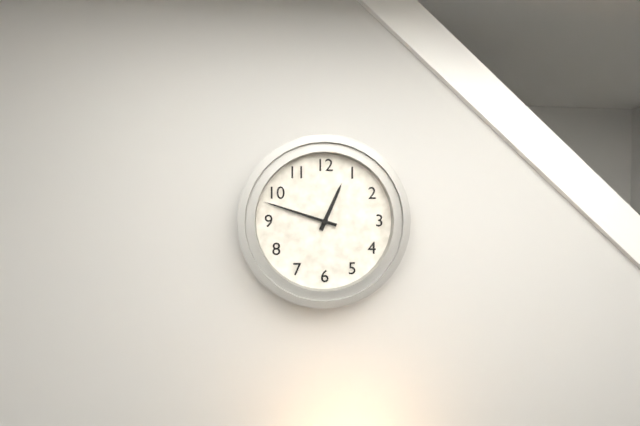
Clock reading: {"hour": 12, "minute": 48}
